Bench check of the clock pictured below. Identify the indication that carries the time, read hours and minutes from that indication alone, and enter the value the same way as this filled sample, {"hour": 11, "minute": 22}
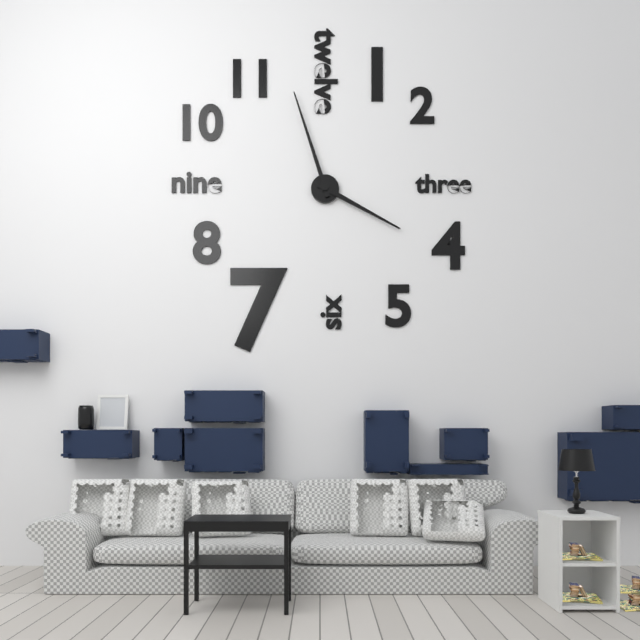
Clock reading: {"hour": 3, "minute": 57}
